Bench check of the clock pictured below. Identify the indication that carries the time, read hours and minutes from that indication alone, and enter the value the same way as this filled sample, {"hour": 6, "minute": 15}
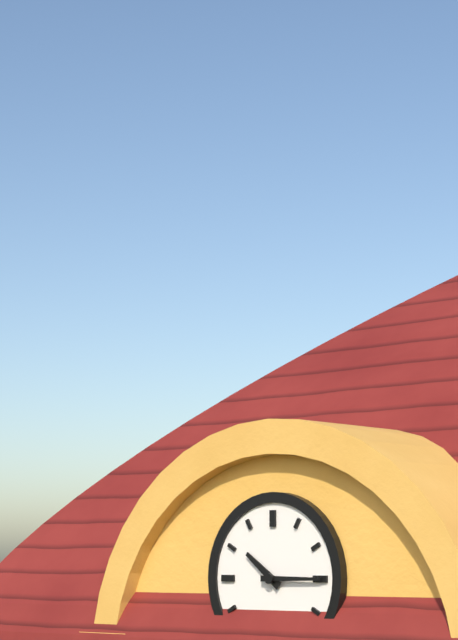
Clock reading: {"hour": 10, "minute": 15}
